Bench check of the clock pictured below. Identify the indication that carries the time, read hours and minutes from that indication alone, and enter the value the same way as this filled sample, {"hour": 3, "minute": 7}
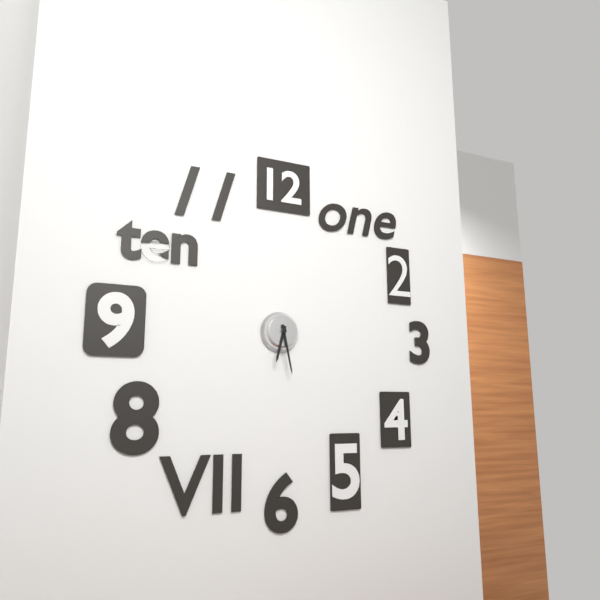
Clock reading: {"hour": 6, "minute": 28}
